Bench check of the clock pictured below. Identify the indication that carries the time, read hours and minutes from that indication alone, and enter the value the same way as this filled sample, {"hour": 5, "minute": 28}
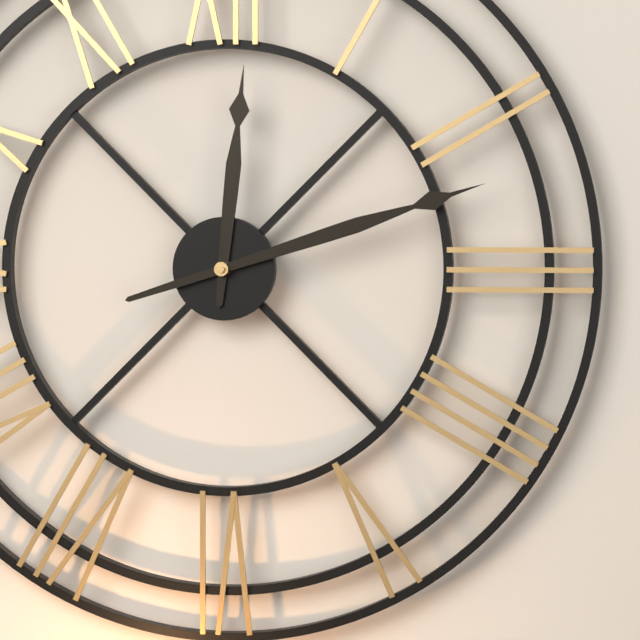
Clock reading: {"hour": 12, "minute": 12}
